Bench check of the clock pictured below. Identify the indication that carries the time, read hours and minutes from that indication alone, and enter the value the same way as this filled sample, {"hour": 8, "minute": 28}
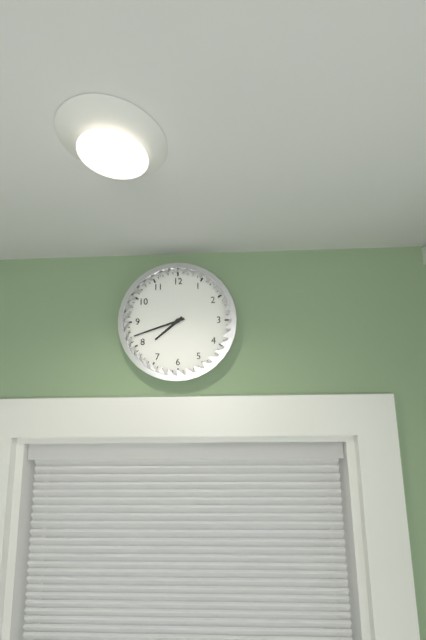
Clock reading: {"hour": 7, "minute": 42}
